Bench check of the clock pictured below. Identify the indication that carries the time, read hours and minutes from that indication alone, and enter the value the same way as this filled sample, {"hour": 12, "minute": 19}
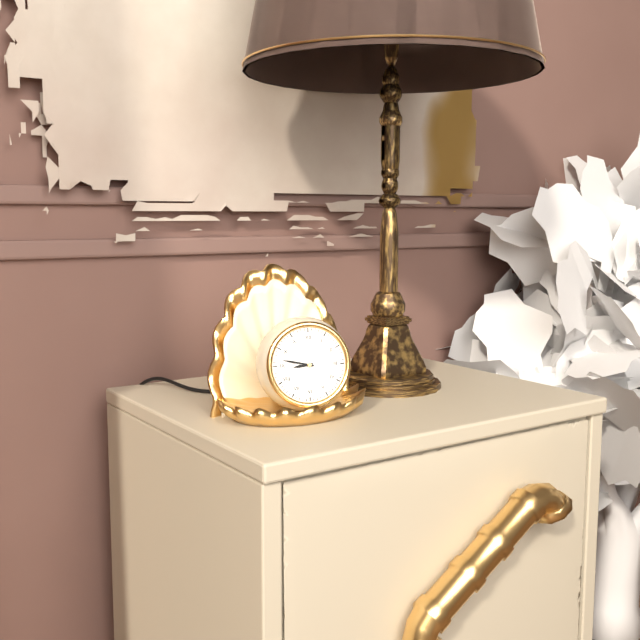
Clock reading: {"hour": 8, "minute": 47}
